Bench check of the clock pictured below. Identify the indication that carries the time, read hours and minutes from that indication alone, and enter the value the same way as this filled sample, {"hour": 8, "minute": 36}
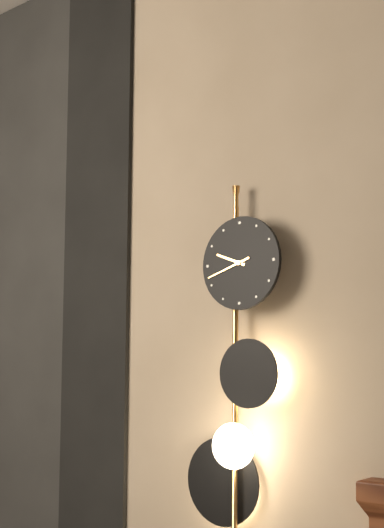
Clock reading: {"hour": 9, "minute": 42}
